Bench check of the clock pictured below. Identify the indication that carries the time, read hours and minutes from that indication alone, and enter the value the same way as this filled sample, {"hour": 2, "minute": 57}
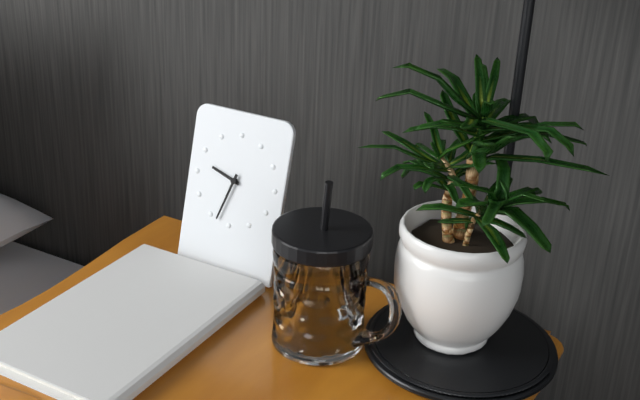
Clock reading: {"hour": 9, "minute": 33}
